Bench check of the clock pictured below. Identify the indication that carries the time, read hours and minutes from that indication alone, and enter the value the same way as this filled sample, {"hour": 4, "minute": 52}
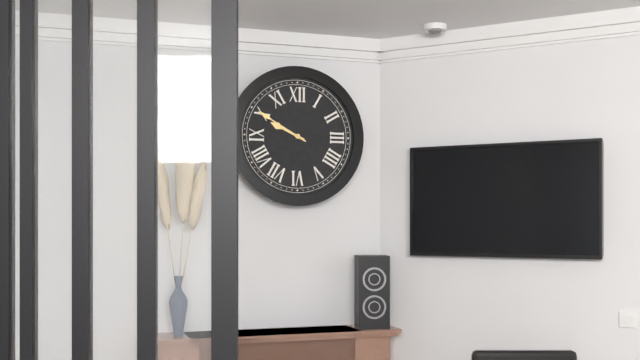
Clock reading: {"hour": 9, "minute": 50}
